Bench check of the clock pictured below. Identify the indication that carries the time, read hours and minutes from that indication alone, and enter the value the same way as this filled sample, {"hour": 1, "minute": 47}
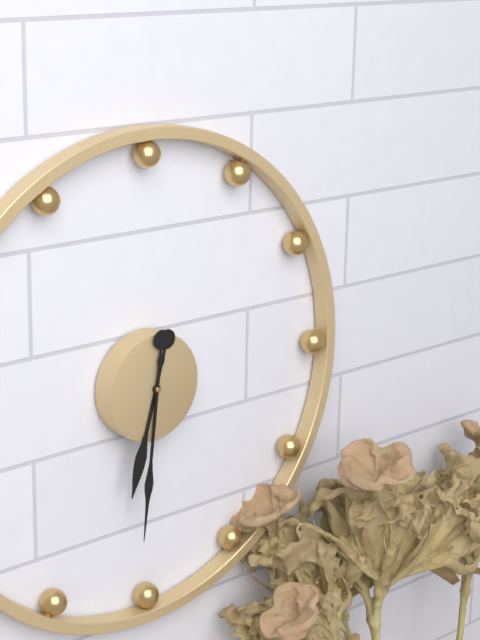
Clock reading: {"hour": 6, "minute": 31}
